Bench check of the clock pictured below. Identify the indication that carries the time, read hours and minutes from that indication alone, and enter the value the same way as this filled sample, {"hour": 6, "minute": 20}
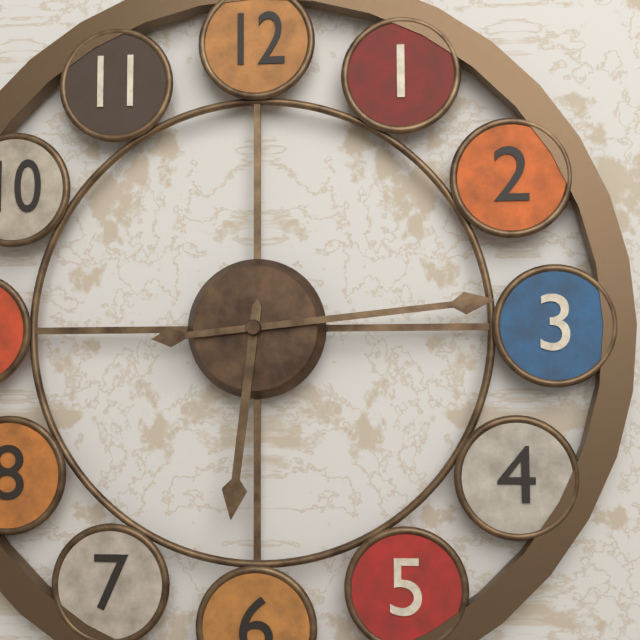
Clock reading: {"hour": 6, "minute": 14}
